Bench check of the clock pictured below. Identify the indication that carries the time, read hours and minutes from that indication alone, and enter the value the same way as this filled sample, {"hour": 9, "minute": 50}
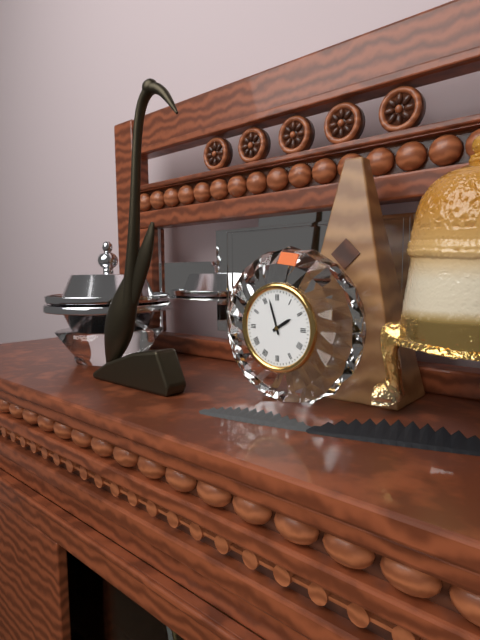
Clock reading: {"hour": 1, "minute": 57}
